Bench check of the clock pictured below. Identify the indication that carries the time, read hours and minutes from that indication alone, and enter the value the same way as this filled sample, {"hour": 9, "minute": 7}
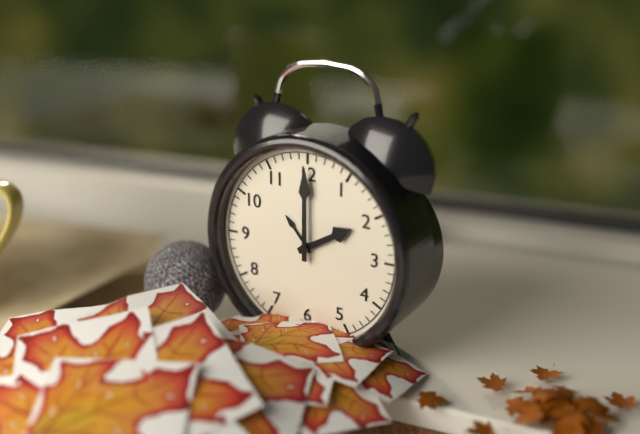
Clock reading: {"hour": 2, "minute": 0}
